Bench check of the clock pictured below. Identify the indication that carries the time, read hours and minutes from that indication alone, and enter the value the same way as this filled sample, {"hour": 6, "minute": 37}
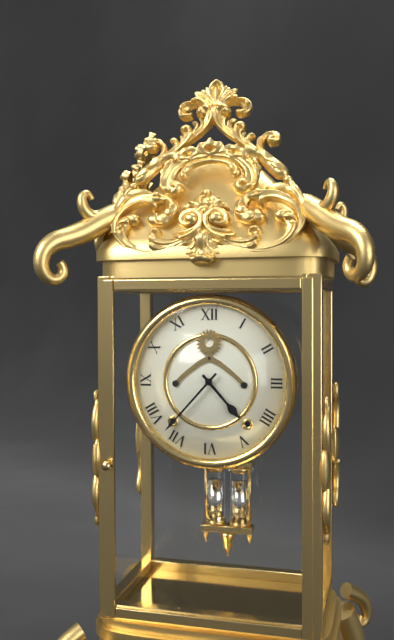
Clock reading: {"hour": 4, "minute": 37}
